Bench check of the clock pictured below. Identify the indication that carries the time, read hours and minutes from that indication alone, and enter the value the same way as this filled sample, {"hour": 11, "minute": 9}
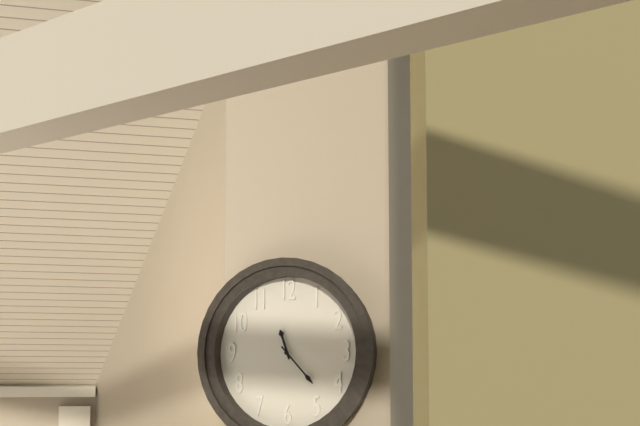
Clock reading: {"hour": 11, "minute": 23}
